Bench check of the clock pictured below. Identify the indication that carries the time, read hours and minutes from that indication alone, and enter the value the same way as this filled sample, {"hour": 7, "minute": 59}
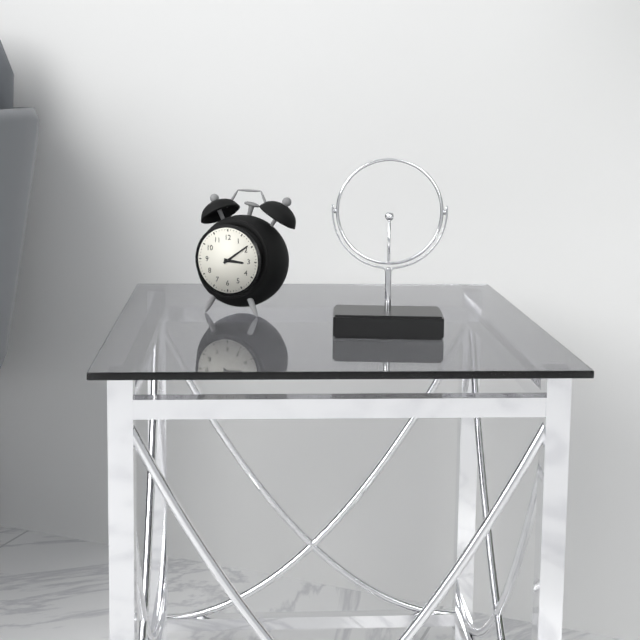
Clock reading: {"hour": 3, "minute": 9}
